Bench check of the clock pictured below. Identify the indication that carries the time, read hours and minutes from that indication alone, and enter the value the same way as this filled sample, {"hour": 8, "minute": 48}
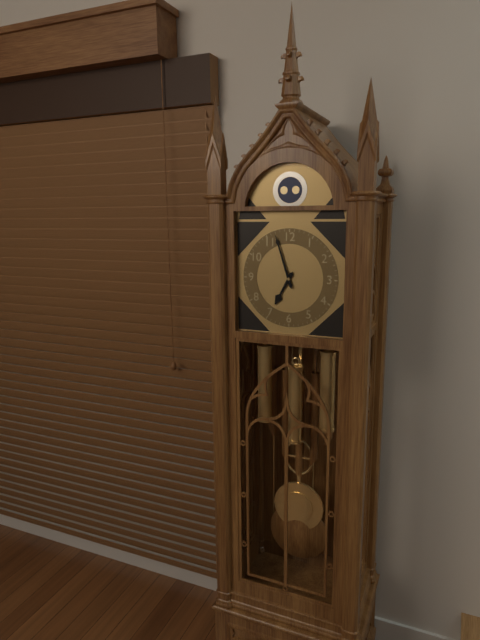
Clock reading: {"hour": 6, "minute": 57}
